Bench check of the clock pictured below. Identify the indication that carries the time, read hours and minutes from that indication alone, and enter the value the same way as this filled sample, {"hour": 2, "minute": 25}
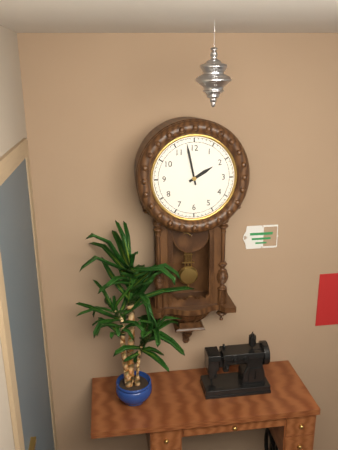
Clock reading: {"hour": 1, "minute": 58}
